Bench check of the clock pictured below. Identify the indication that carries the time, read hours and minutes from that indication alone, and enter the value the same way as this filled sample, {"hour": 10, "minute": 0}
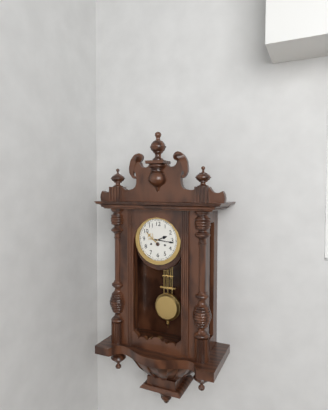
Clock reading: {"hour": 2, "minute": 16}
